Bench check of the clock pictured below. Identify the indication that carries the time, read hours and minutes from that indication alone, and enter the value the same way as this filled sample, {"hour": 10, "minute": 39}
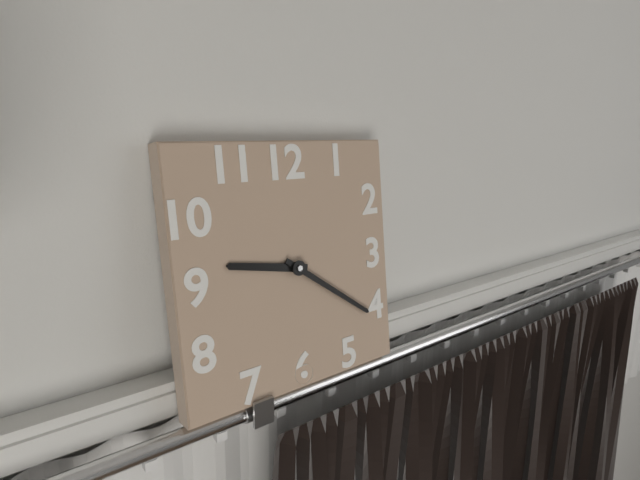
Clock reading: {"hour": 9, "minute": 21}
